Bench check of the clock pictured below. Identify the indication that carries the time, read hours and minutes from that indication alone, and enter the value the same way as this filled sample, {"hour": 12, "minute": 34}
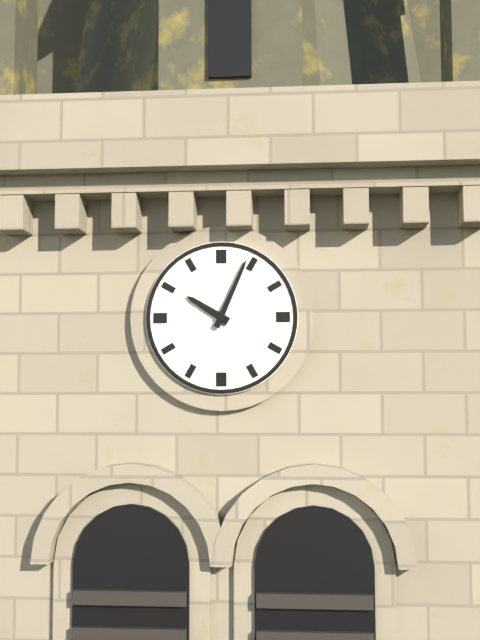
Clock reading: {"hour": 10, "minute": 4}
